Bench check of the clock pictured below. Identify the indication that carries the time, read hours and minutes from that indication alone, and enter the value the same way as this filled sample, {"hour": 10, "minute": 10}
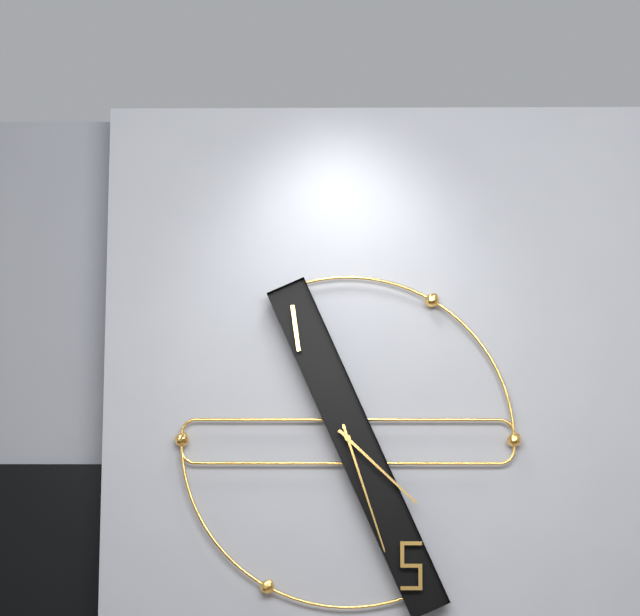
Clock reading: {"hour": 4, "minute": 27}
